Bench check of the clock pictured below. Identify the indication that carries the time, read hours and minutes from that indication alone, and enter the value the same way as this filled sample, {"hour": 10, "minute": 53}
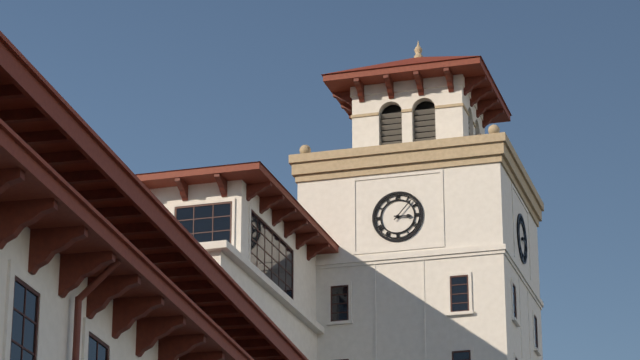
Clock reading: {"hour": 3, "minute": 7}
